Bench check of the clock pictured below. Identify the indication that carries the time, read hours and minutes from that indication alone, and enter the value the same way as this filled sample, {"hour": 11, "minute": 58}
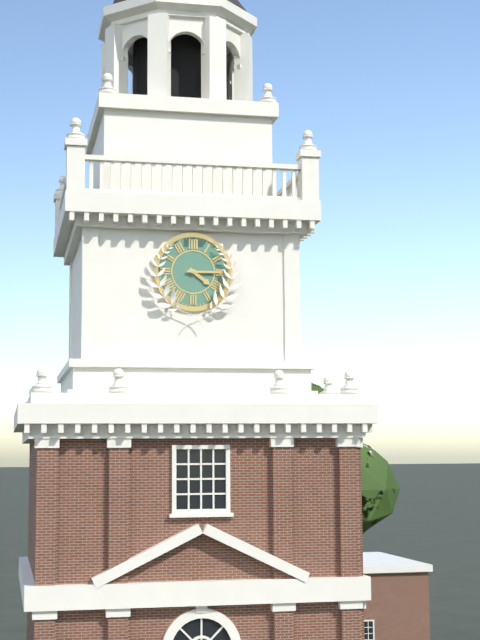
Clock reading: {"hour": 4, "minute": 15}
